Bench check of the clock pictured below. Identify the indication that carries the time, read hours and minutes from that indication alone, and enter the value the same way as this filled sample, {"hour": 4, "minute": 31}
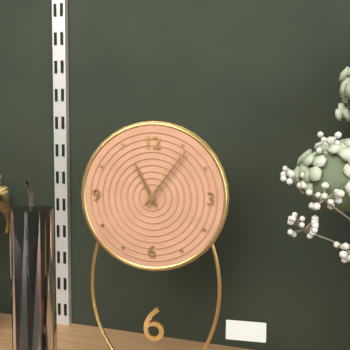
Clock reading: {"hour": 11, "minute": 6}
